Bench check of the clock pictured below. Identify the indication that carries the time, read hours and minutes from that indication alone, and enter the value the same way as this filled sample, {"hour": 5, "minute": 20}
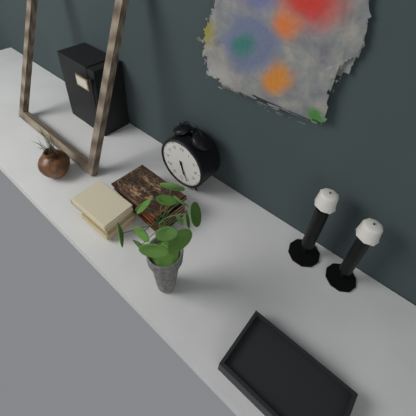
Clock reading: {"hour": 5, "minute": 26}
